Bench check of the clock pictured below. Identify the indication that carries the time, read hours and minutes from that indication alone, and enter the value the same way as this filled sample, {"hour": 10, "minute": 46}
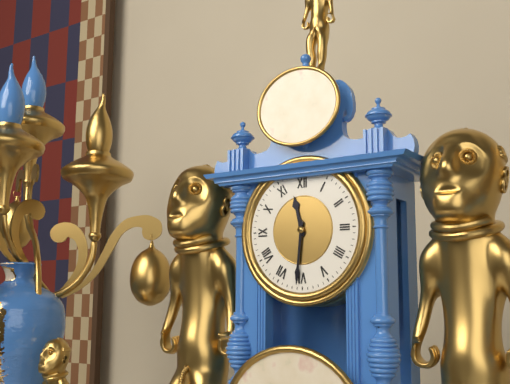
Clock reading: {"hour": 11, "minute": 31}
